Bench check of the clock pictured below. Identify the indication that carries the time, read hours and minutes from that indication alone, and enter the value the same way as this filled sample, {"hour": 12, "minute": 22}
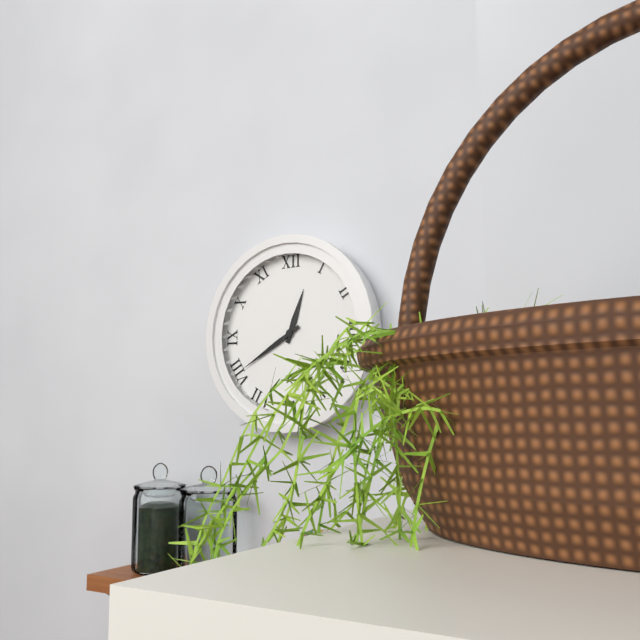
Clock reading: {"hour": 12, "minute": 40}
